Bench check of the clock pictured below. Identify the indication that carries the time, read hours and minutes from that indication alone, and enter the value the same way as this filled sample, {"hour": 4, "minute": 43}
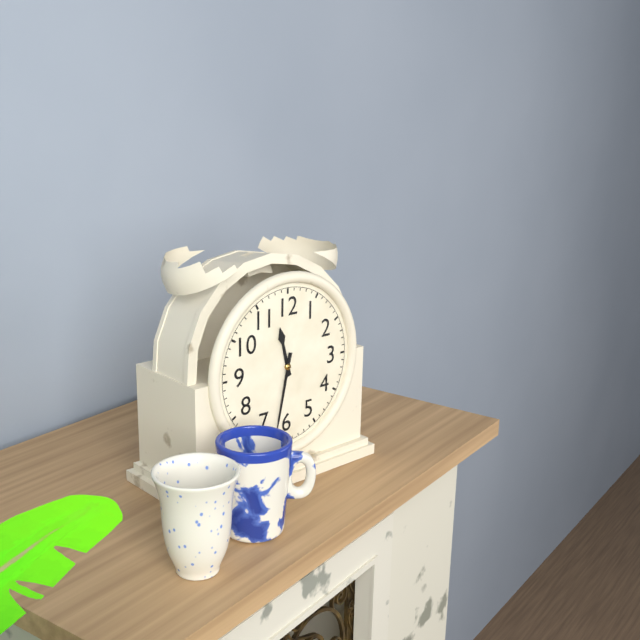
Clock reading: {"hour": 11, "minute": 32}
